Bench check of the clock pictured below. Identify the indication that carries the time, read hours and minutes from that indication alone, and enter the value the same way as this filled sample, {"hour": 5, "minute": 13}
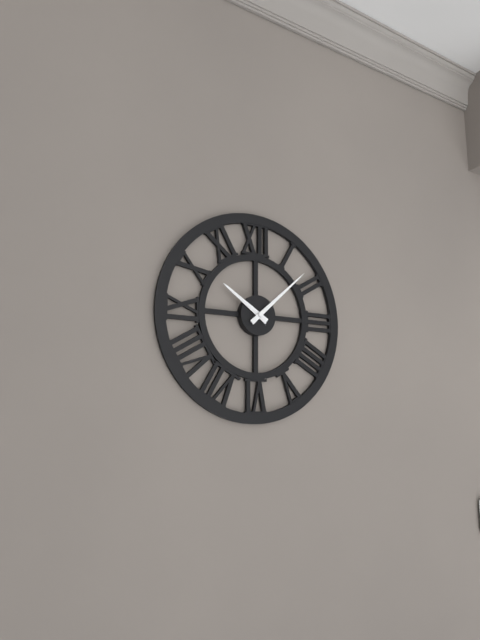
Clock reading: {"hour": 10, "minute": 8}
